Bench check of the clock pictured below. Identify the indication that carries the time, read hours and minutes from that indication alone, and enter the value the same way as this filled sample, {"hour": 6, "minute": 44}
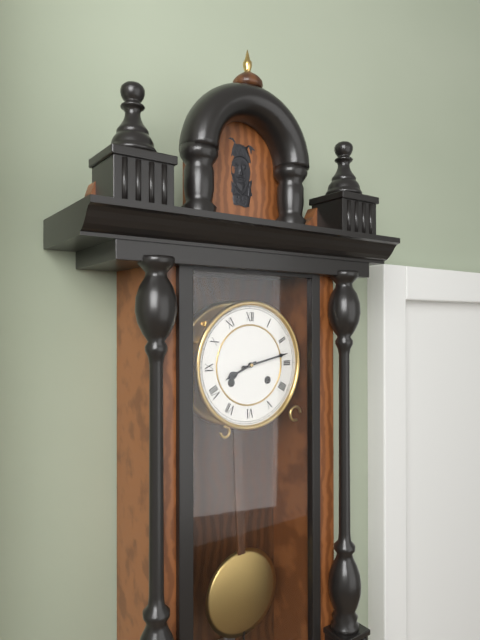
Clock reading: {"hour": 8, "minute": 13}
